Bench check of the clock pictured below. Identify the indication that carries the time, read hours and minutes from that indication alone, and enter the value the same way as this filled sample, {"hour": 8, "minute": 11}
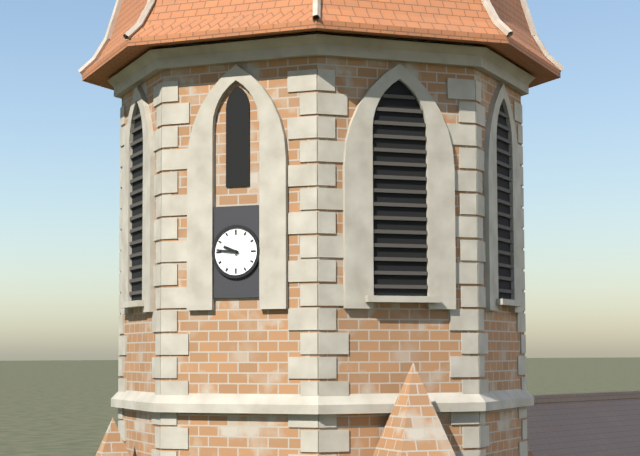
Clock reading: {"hour": 9, "minute": 46}
